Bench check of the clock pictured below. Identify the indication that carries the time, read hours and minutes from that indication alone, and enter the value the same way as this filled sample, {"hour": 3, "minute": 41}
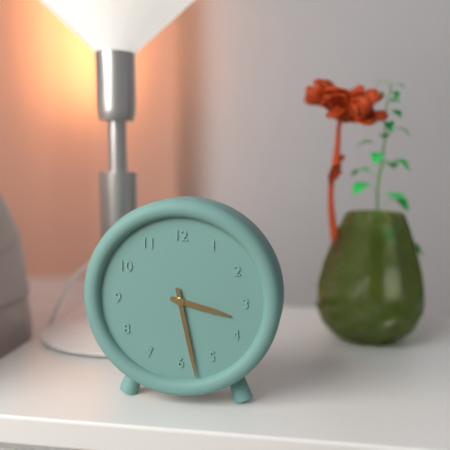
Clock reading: {"hour": 3, "minute": 28}
